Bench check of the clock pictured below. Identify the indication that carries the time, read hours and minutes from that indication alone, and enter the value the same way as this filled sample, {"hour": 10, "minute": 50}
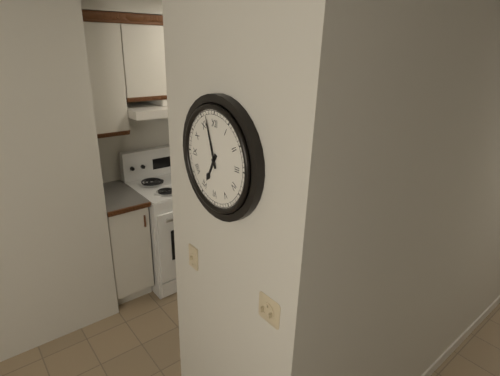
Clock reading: {"hour": 6, "minute": 57}
